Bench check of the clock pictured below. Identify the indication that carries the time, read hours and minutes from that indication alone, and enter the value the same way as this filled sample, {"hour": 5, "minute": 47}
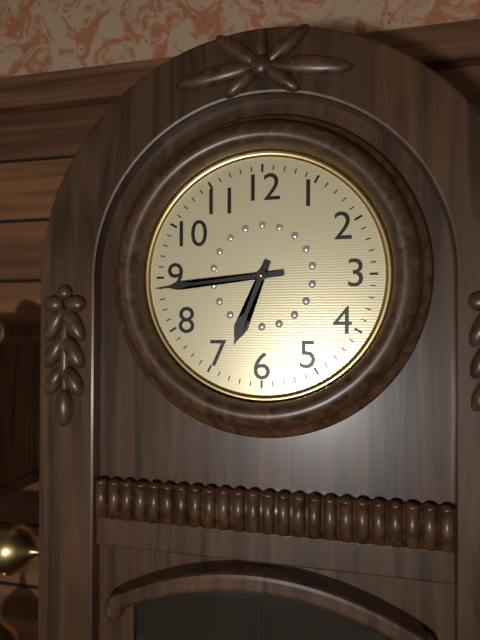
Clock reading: {"hour": 6, "minute": 44}
